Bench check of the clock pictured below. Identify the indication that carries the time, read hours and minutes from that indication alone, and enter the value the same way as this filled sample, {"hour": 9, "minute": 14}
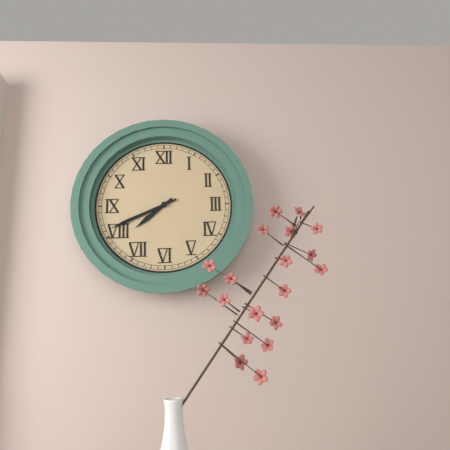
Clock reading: {"hour": 7, "minute": 41}
